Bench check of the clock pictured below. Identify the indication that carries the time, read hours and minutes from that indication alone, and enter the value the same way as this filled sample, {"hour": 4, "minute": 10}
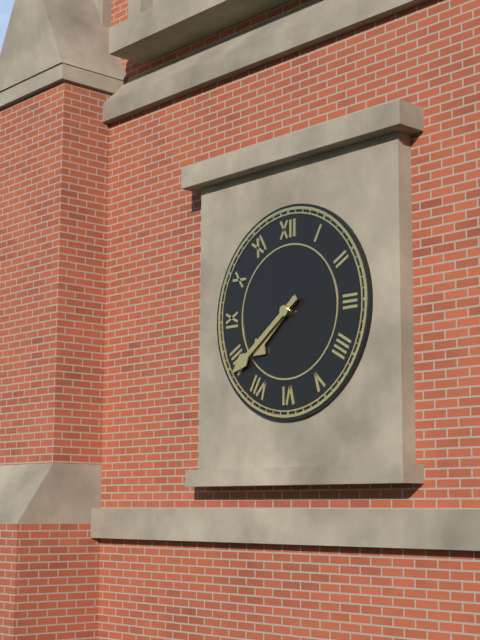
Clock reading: {"hour": 7, "minute": 39}
